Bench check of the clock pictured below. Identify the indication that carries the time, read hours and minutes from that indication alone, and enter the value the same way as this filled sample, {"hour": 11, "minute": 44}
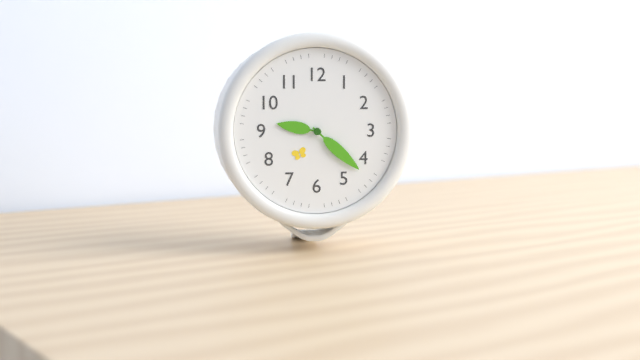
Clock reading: {"hour": 9, "minute": 22}
